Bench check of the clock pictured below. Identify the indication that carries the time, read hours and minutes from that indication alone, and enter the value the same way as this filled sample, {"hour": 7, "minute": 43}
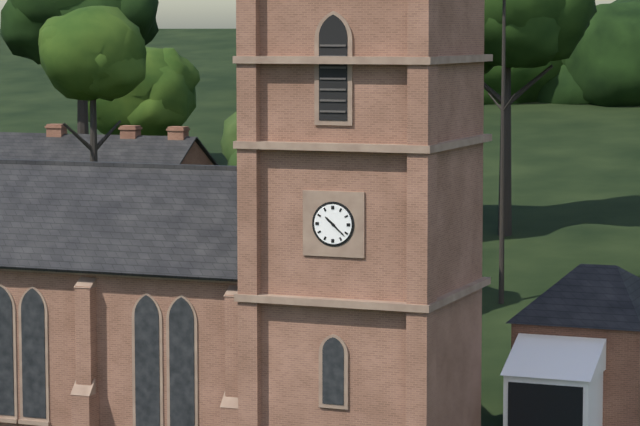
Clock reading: {"hour": 10, "minute": 22}
